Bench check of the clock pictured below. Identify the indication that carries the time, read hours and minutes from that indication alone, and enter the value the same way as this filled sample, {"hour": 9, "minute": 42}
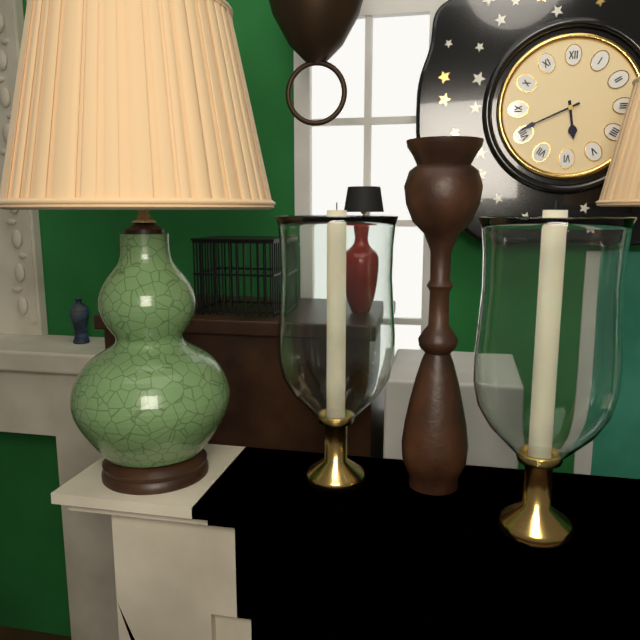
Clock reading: {"hour": 5, "minute": 41}
